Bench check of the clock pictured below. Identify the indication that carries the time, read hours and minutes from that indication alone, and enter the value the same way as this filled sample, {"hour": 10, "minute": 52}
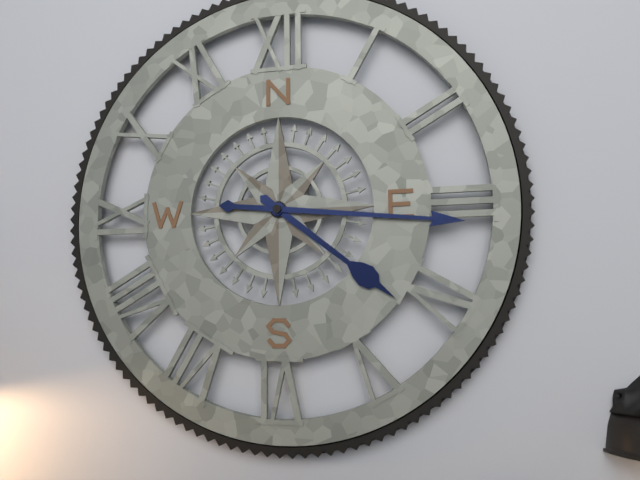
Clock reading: {"hour": 4, "minute": 16}
